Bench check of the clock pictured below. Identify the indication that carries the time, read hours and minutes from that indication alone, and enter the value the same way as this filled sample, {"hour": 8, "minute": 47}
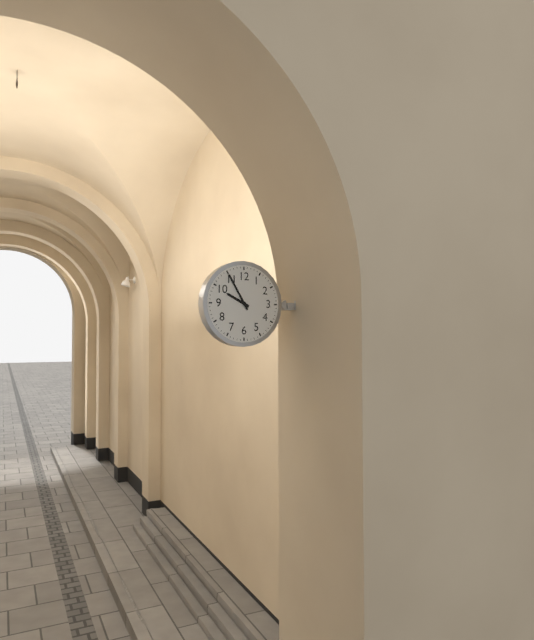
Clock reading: {"hour": 9, "minute": 55}
